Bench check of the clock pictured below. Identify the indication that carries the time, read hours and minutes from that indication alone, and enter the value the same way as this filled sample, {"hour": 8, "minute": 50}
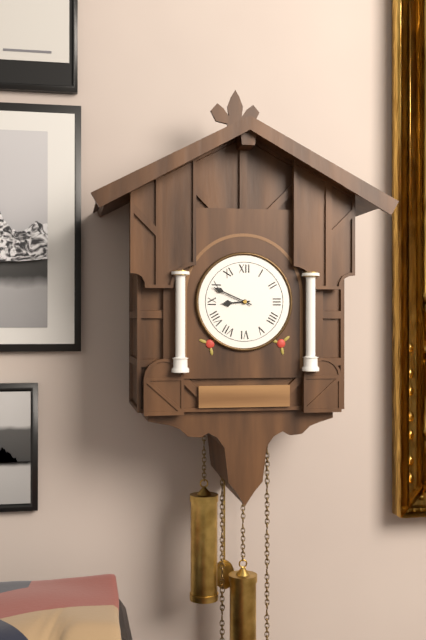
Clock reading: {"hour": 8, "minute": 49}
